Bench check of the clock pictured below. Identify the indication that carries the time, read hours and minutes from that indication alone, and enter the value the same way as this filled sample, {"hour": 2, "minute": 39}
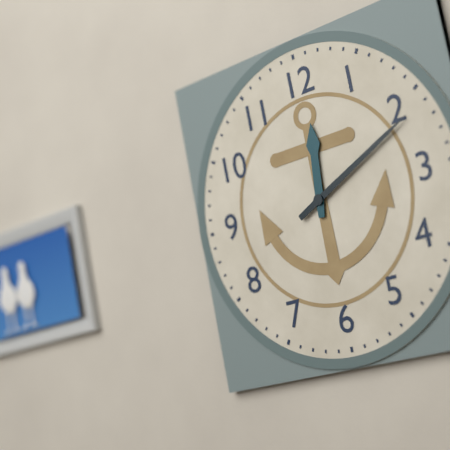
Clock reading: {"hour": 12, "minute": 11}
